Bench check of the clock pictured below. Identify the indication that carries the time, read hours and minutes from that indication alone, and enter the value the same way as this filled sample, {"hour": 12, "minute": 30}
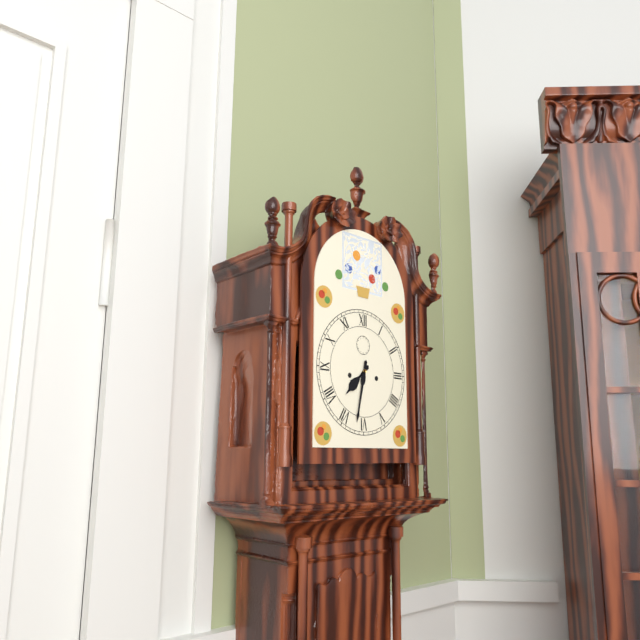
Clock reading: {"hour": 7, "minute": 32}
